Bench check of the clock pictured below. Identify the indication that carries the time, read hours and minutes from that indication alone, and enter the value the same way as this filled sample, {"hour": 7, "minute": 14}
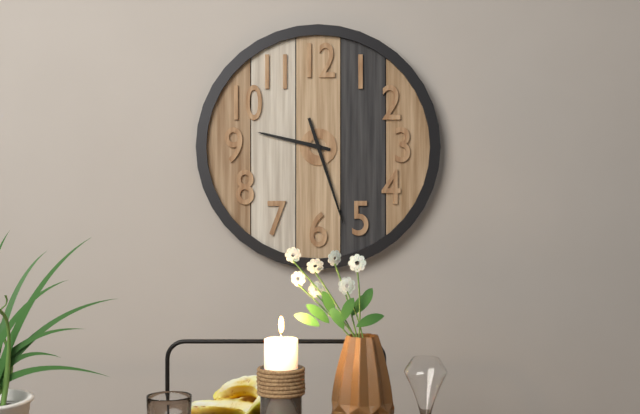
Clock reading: {"hour": 9, "minute": 27}
